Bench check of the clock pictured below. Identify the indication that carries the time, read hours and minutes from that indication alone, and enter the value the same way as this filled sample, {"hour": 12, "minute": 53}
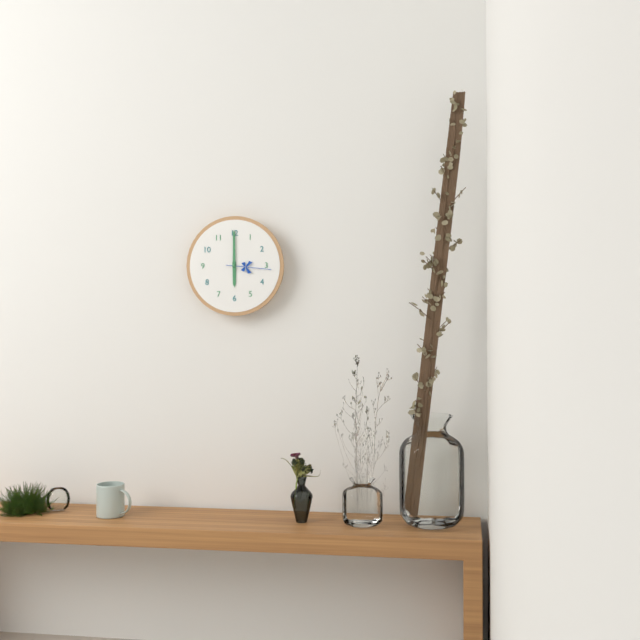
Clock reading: {"hour": 6, "minute": 0}
